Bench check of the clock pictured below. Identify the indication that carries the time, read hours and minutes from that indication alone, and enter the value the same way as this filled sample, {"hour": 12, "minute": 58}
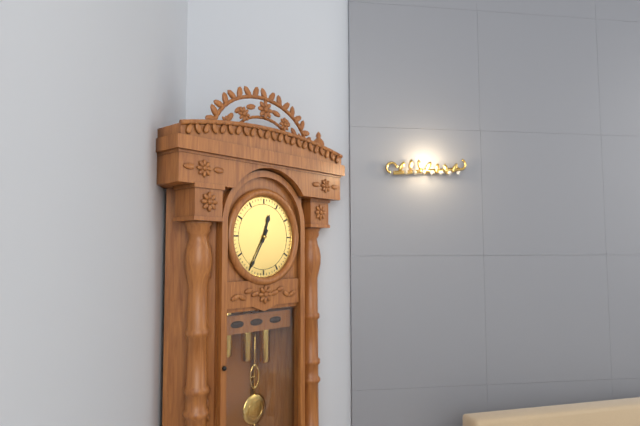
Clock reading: {"hour": 12, "minute": 35}
